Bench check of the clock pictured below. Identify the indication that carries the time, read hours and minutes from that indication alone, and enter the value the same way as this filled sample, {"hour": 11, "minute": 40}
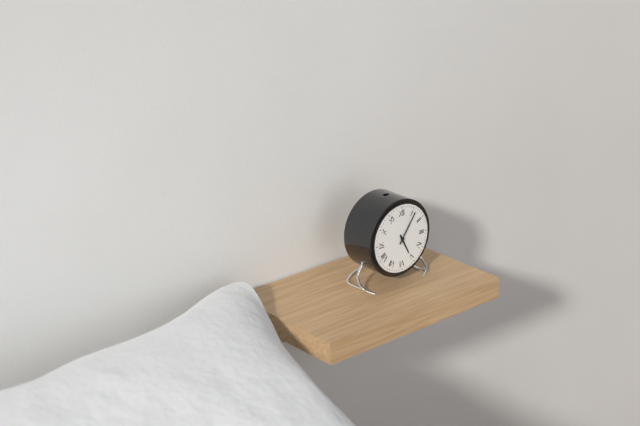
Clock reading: {"hour": 5, "minute": 6}
